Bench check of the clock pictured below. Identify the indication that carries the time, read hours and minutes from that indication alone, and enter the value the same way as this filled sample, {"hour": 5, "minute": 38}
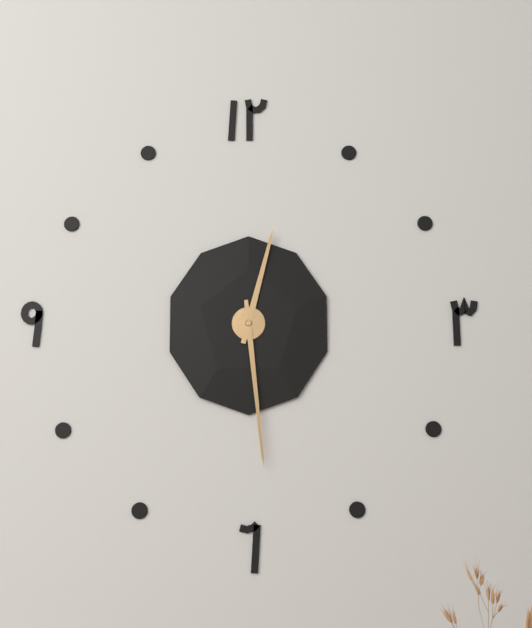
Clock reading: {"hour": 12, "minute": 29}
